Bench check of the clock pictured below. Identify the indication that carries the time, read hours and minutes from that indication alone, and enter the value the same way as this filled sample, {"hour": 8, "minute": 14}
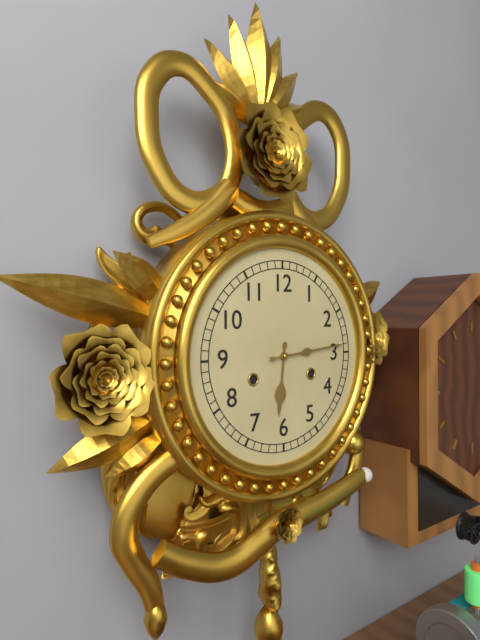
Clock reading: {"hour": 6, "minute": 14}
